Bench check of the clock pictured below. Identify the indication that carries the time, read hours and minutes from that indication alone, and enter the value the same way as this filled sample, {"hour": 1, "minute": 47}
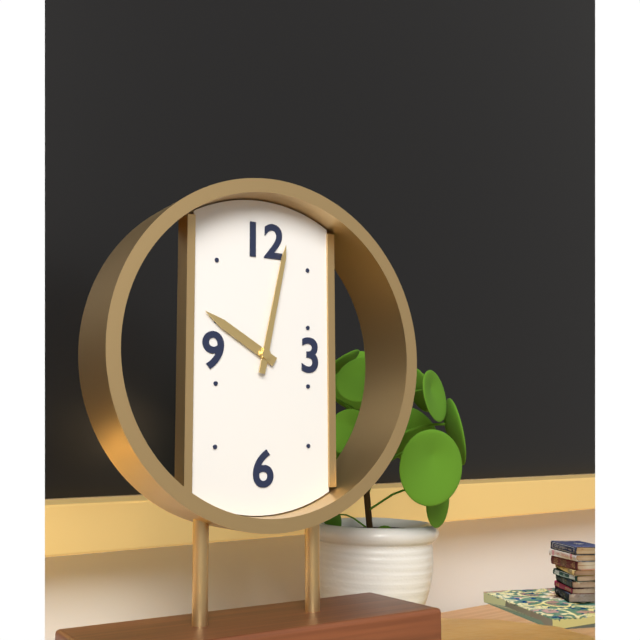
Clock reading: {"hour": 10, "minute": 2}
